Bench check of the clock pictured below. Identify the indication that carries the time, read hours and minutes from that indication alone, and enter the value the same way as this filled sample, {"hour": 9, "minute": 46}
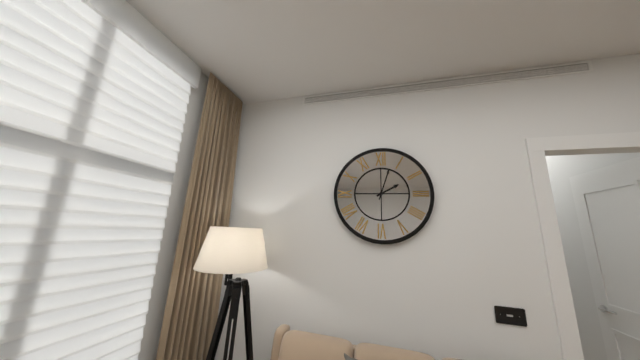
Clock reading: {"hour": 2, "minute": 3}
